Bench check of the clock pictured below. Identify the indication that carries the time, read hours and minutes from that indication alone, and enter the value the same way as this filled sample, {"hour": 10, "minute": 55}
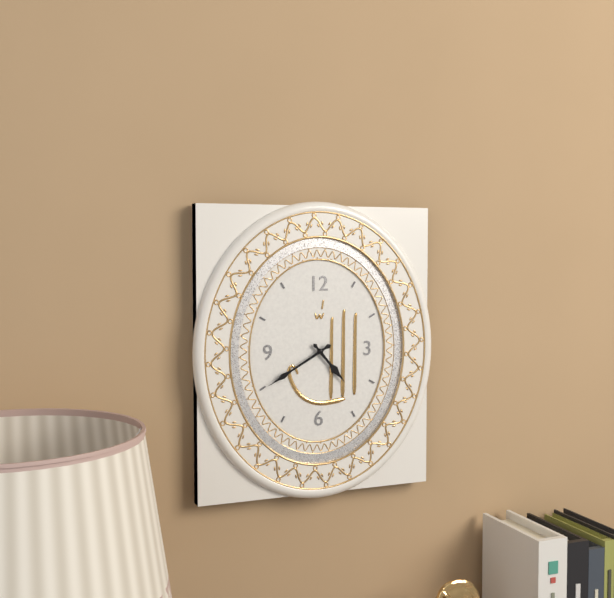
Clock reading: {"hour": 4, "minute": 40}
